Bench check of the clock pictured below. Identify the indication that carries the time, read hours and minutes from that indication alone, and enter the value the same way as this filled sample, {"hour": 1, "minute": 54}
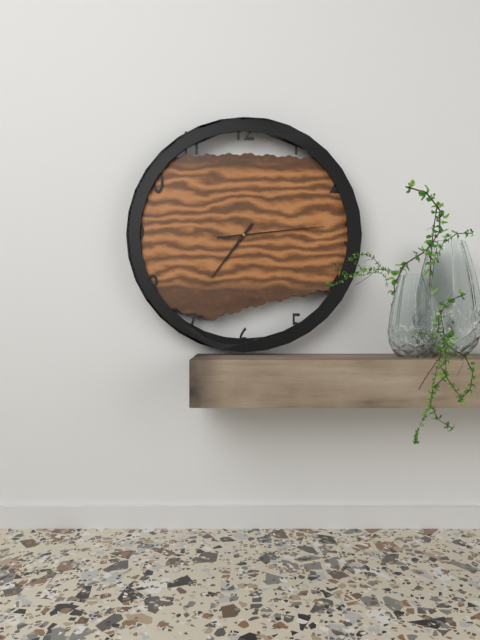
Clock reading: {"hour": 7, "minute": 14}
